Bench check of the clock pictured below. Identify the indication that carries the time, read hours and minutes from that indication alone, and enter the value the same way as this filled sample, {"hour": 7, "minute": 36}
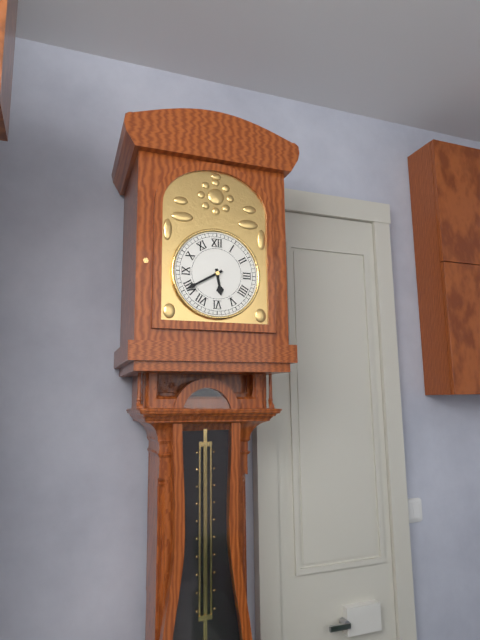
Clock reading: {"hour": 5, "minute": 40}
